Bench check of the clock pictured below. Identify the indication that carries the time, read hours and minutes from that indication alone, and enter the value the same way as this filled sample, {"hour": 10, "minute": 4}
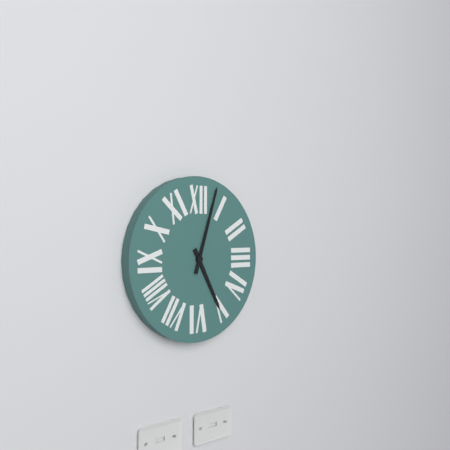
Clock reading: {"hour": 5, "minute": 3}
